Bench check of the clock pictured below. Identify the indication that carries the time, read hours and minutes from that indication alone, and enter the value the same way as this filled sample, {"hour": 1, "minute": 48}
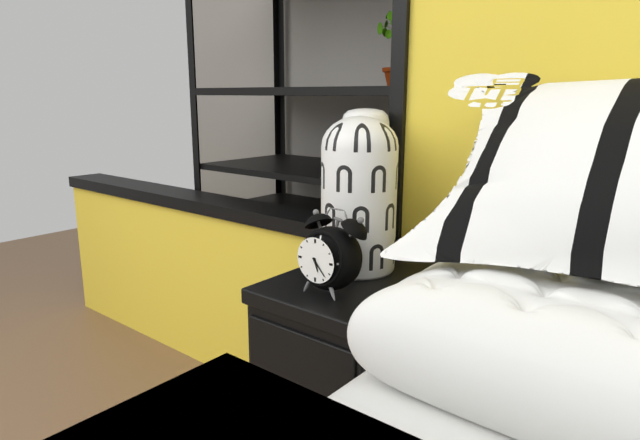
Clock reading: {"hour": 5, "minute": 23}
